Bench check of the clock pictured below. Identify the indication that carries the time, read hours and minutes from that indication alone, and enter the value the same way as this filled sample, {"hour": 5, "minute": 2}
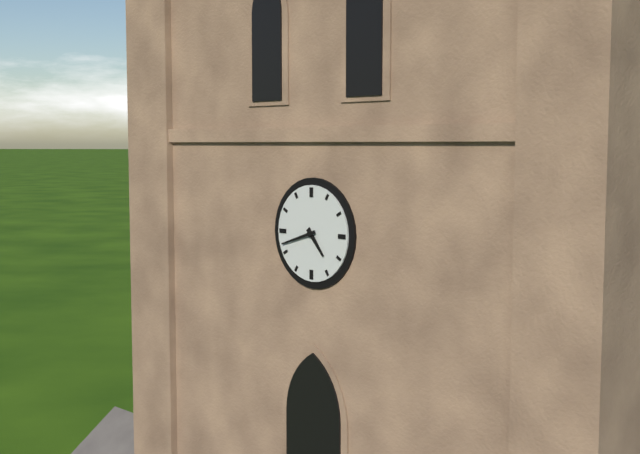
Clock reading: {"hour": 4, "minute": 42}
